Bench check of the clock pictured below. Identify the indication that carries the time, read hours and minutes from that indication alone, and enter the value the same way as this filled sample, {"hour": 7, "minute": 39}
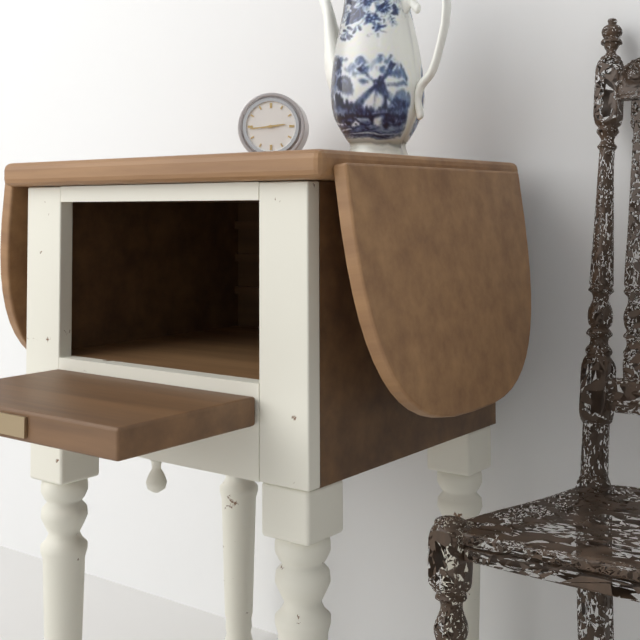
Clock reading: {"hour": 2, "minute": 44}
